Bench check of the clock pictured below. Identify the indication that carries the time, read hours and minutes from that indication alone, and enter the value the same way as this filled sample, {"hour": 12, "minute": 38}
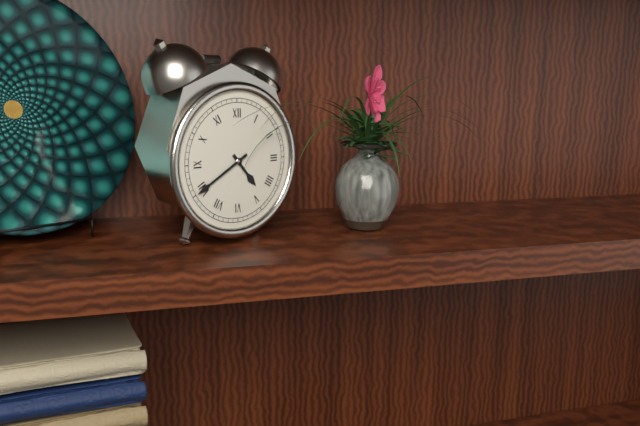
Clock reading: {"hour": 4, "minute": 40}
